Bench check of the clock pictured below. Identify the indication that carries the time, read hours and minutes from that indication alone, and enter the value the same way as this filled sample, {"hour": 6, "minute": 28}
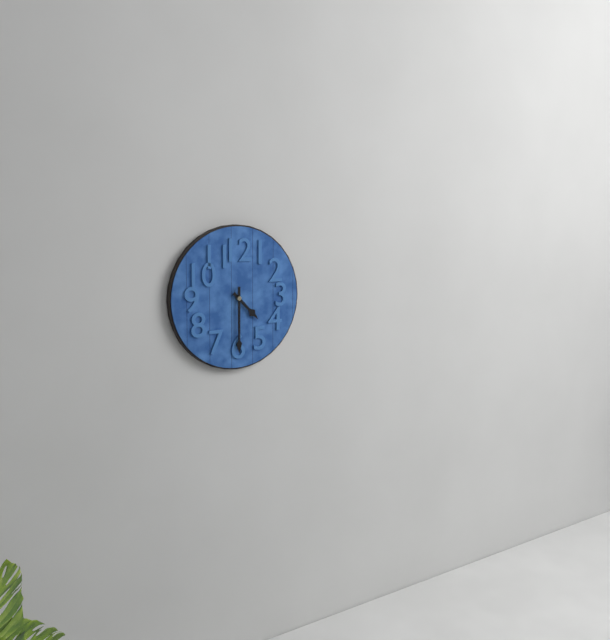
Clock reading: {"hour": 4, "minute": 30}
